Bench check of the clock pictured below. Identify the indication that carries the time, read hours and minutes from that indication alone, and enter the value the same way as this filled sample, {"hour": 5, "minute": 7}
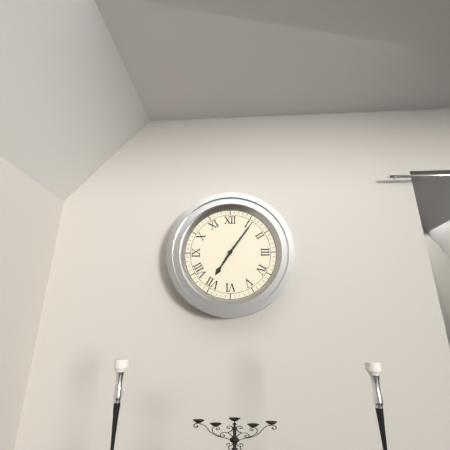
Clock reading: {"hour": 7, "minute": 6}
